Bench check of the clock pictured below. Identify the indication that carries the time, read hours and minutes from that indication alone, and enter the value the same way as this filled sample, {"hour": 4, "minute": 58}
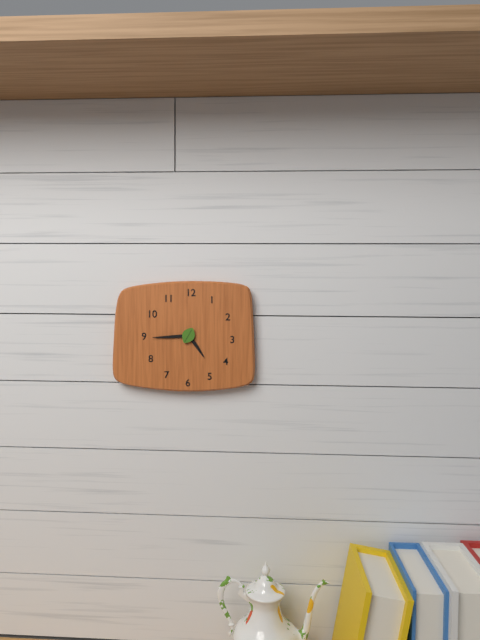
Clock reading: {"hour": 4, "minute": 44}
